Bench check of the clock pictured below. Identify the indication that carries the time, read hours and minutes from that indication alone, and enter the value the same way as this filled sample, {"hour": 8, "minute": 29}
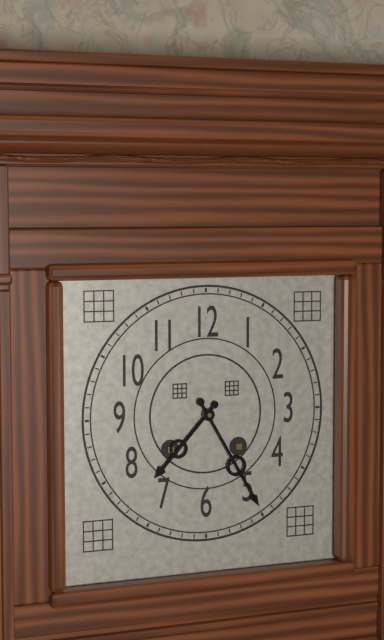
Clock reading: {"hour": 7, "minute": 25}
